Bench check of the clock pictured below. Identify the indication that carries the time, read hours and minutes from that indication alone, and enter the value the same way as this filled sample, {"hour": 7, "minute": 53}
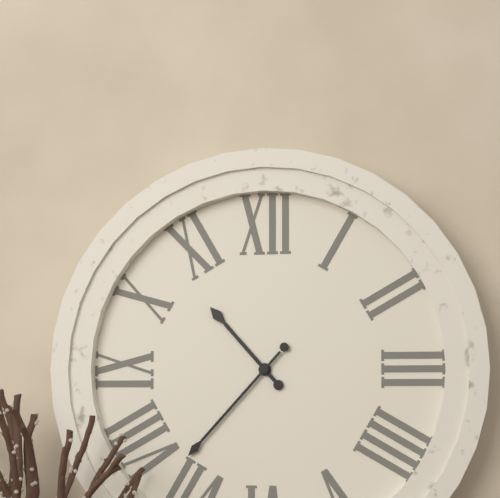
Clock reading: {"hour": 10, "minute": 37}
